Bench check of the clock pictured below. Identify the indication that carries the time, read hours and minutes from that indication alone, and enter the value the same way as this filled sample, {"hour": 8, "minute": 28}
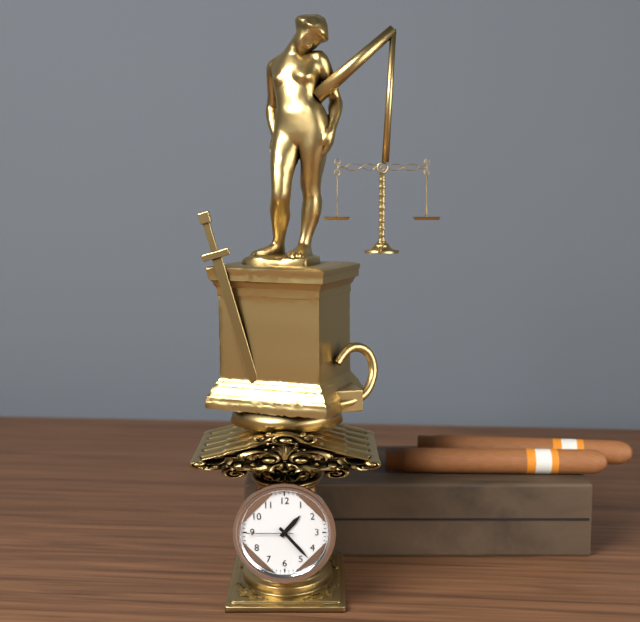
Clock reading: {"hour": 1, "minute": 23}
